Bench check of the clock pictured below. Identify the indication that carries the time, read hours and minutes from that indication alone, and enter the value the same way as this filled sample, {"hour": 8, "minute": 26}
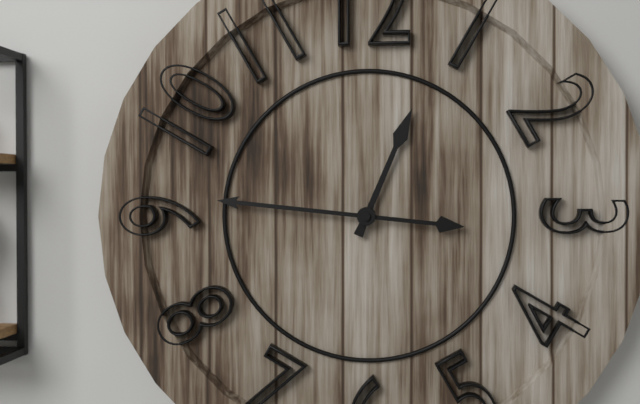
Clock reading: {"hour": 12, "minute": 46}
